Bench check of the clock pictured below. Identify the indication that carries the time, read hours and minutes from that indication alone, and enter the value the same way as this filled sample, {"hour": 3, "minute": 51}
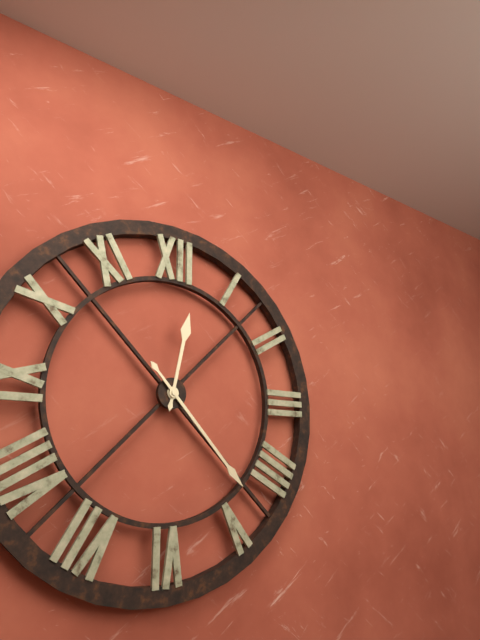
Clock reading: {"hour": 12, "minute": 23}
